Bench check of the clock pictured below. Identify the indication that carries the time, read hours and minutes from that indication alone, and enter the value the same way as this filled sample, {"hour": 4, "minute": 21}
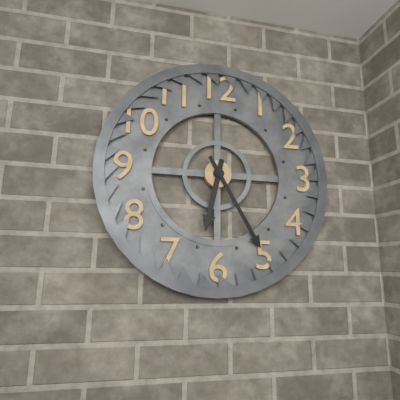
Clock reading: {"hour": 6, "minute": 25}
